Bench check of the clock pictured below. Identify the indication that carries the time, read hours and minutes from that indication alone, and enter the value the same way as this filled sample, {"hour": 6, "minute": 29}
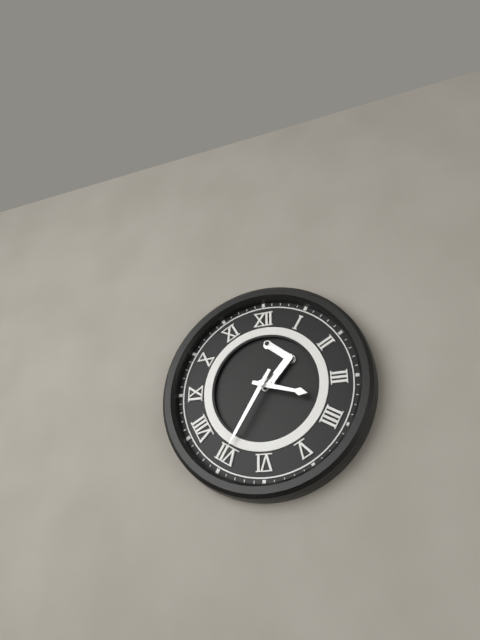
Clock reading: {"hour": 3, "minute": 35}
